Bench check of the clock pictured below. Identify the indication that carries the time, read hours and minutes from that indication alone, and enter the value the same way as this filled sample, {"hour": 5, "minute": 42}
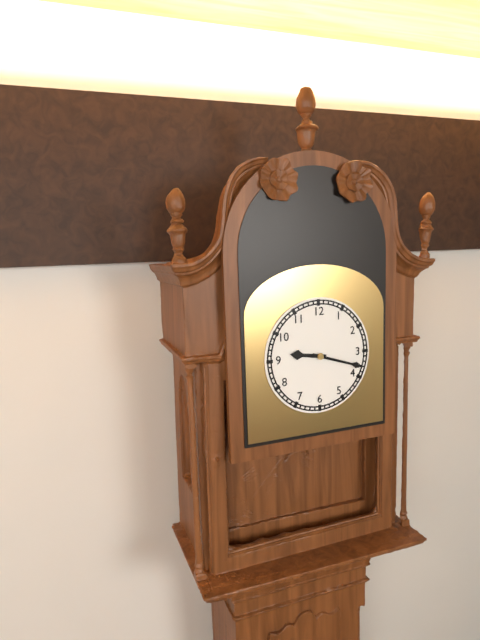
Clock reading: {"hour": 9, "minute": 18}
